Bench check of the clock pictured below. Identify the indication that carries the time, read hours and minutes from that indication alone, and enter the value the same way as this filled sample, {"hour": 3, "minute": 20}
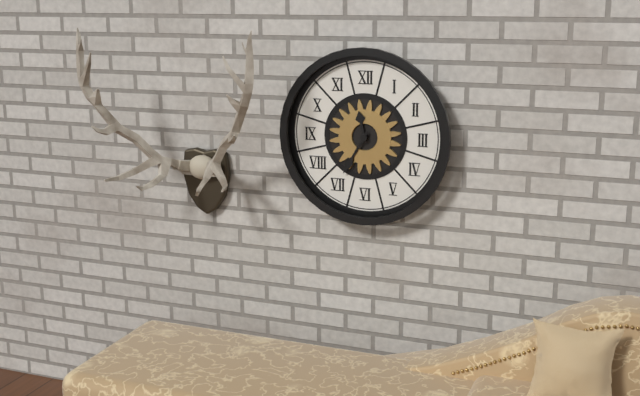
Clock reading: {"hour": 11, "minute": 35}
